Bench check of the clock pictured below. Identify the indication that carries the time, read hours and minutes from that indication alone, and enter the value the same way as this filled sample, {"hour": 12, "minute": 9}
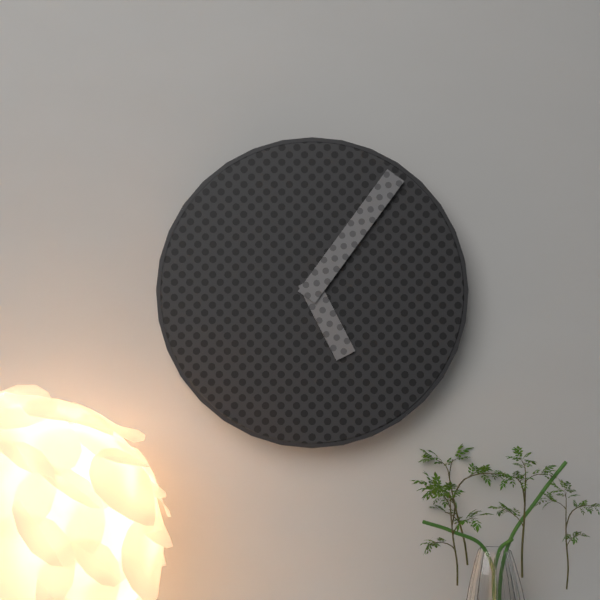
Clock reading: {"hour": 5, "minute": 6}
